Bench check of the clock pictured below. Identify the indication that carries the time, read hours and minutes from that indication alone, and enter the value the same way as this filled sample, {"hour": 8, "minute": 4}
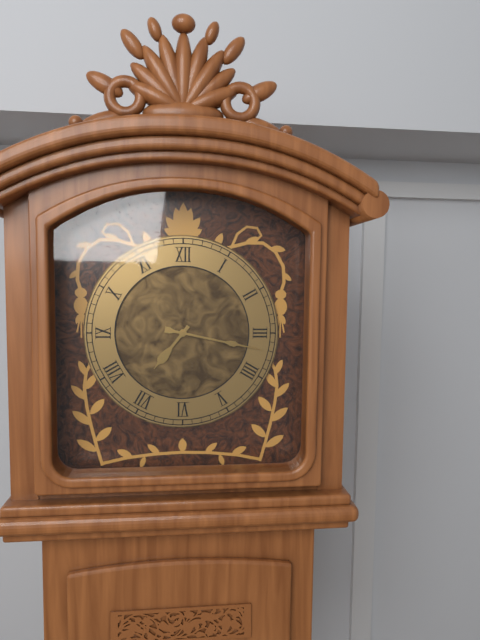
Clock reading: {"hour": 7, "minute": 17}
